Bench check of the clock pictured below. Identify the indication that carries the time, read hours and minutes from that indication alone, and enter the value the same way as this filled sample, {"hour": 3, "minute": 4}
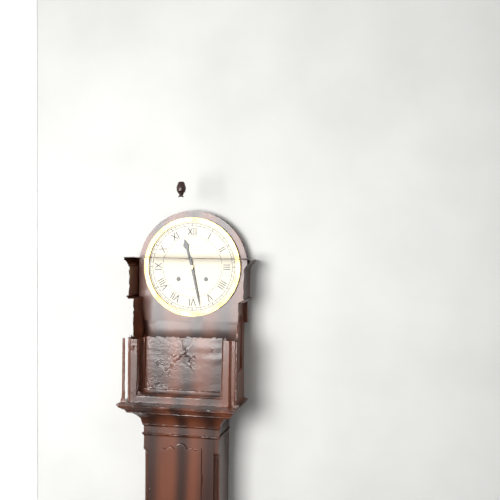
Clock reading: {"hour": 11, "minute": 28}
